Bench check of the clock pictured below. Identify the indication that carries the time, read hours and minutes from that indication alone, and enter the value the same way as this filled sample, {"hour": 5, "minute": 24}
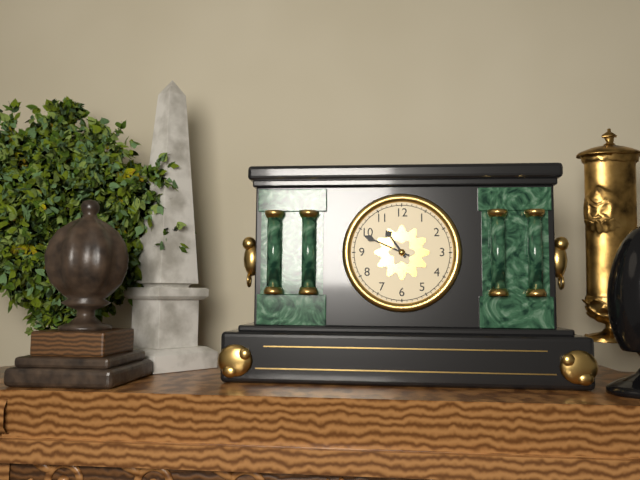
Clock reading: {"hour": 10, "minute": 49}
